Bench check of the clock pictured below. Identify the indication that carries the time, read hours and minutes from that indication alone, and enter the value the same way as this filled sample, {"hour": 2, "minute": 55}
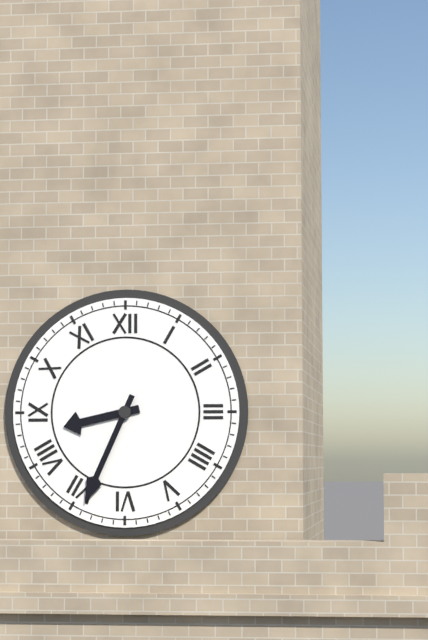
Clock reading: {"hour": 8, "minute": 34}
